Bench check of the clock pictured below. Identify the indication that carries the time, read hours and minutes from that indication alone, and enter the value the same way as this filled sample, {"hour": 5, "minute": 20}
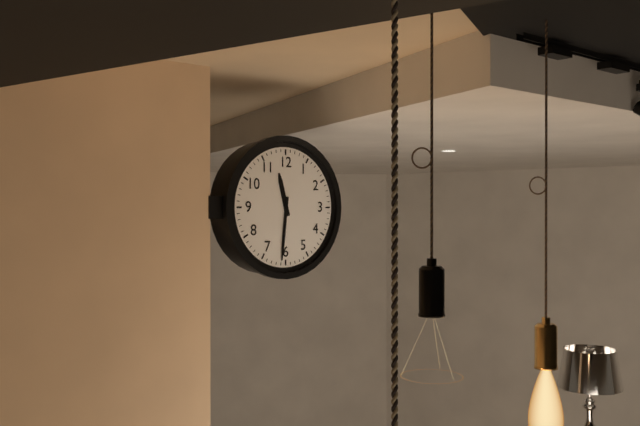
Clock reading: {"hour": 11, "minute": 31}
